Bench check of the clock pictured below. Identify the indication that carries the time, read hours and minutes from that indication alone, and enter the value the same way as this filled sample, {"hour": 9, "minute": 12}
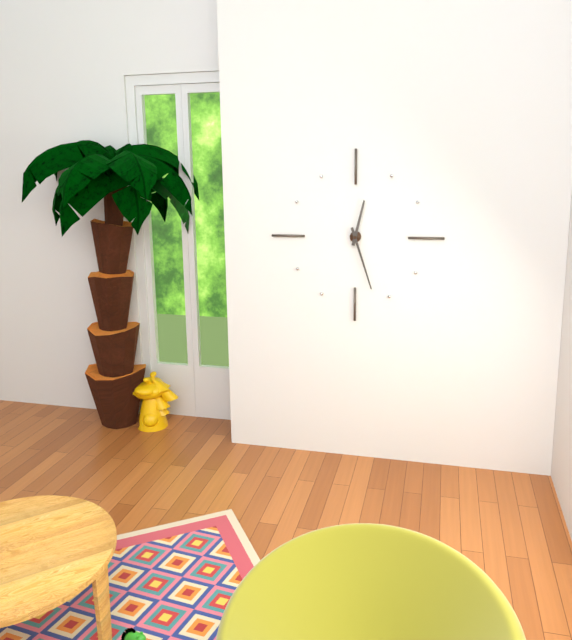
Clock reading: {"hour": 12, "minute": 27}
